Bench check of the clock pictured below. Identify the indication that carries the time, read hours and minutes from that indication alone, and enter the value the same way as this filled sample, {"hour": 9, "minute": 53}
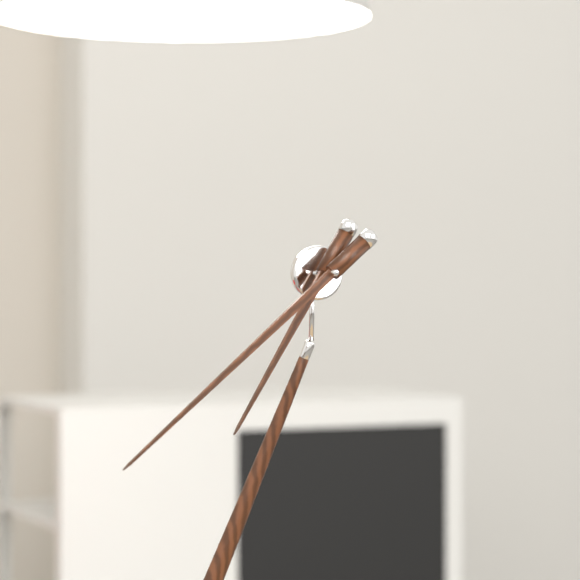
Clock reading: {"hour": 6, "minute": 36}
